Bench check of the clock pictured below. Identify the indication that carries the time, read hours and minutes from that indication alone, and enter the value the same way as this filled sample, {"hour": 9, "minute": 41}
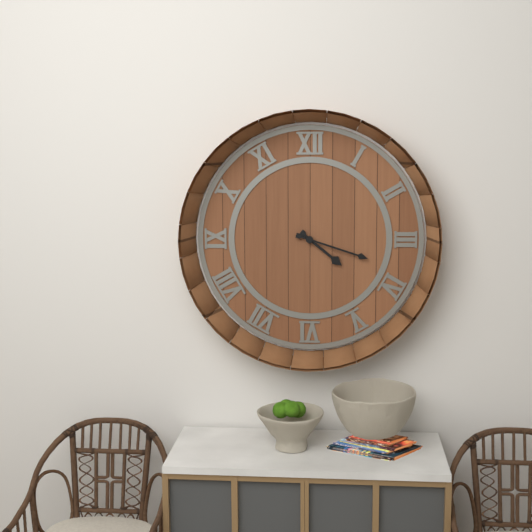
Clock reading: {"hour": 4, "minute": 18}
